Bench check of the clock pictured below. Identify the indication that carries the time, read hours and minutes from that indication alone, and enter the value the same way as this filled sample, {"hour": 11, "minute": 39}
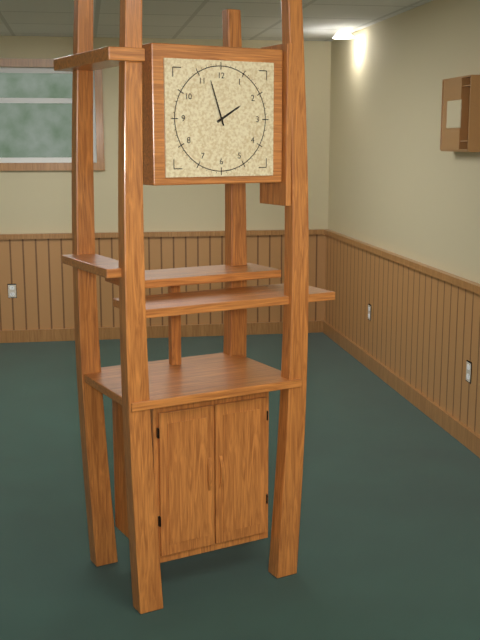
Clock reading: {"hour": 1, "minute": 57}
